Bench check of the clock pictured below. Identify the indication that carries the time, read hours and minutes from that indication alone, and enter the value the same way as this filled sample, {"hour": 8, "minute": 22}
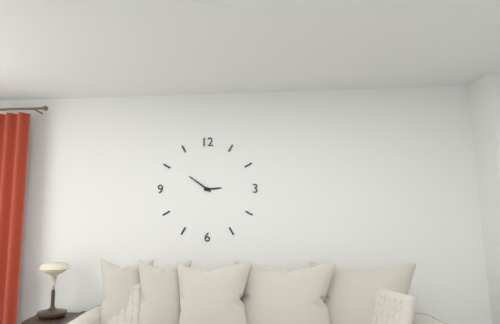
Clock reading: {"hour": 2, "minute": 51}
